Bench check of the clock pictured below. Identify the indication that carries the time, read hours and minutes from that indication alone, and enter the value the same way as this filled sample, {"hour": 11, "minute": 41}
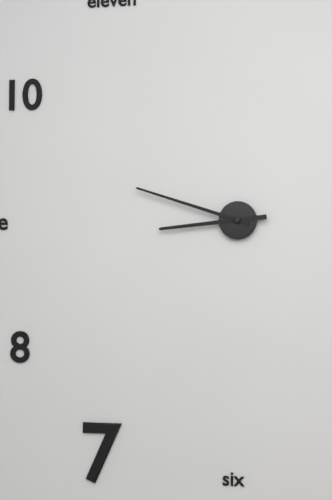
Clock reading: {"hour": 8, "minute": 48}
